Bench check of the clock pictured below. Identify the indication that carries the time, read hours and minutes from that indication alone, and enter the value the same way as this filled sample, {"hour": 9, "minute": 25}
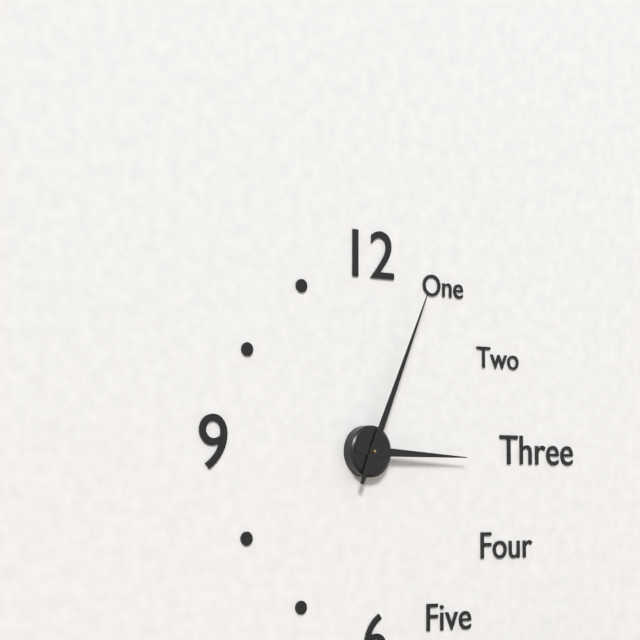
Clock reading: {"hour": 3, "minute": 4}
